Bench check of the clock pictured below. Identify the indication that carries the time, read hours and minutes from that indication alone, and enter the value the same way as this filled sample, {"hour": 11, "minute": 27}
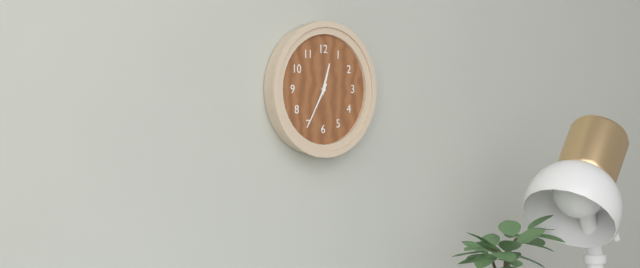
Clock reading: {"hour": 12, "minute": 35}
